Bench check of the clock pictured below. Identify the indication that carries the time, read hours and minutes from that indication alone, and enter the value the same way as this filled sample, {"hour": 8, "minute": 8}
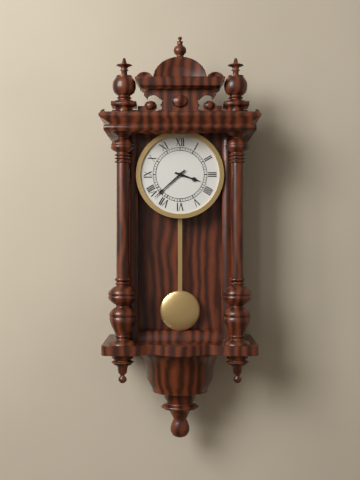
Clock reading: {"hour": 3, "minute": 38}
